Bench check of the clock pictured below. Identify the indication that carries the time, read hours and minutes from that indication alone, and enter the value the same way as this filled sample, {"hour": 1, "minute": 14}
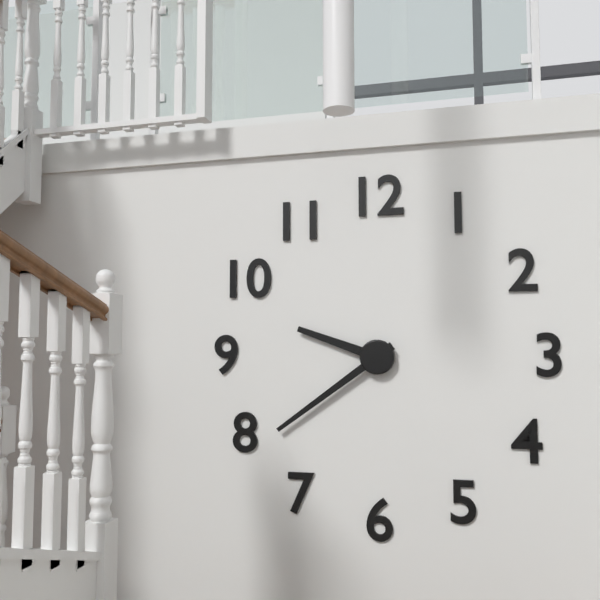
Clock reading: {"hour": 9, "minute": 39}
